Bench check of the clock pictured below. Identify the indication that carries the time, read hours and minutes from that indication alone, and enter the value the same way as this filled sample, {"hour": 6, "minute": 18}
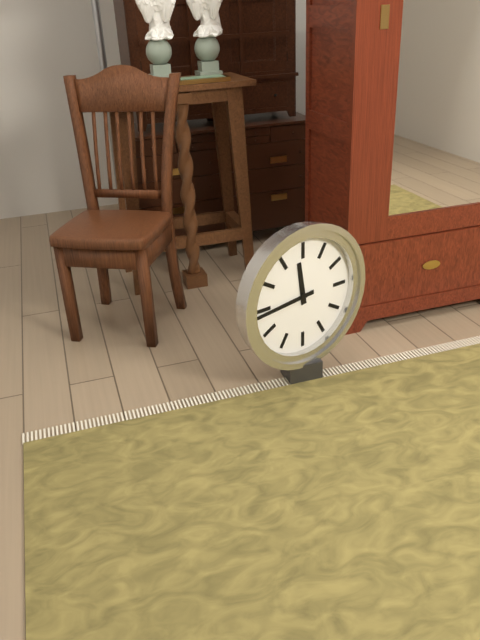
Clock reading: {"hour": 11, "minute": 44}
